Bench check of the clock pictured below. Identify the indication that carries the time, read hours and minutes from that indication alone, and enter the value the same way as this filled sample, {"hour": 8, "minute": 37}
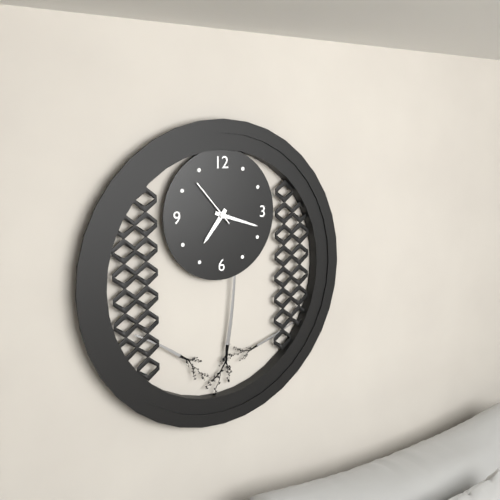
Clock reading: {"hour": 7, "minute": 18}
